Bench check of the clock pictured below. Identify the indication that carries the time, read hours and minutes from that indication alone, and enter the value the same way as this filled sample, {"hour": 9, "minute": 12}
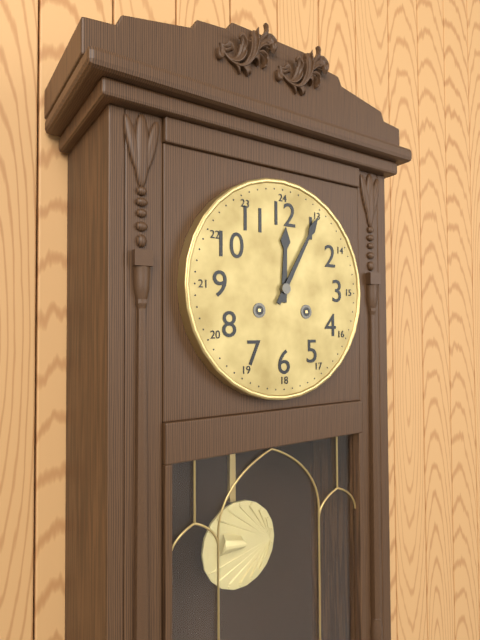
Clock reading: {"hour": 12, "minute": 5}
